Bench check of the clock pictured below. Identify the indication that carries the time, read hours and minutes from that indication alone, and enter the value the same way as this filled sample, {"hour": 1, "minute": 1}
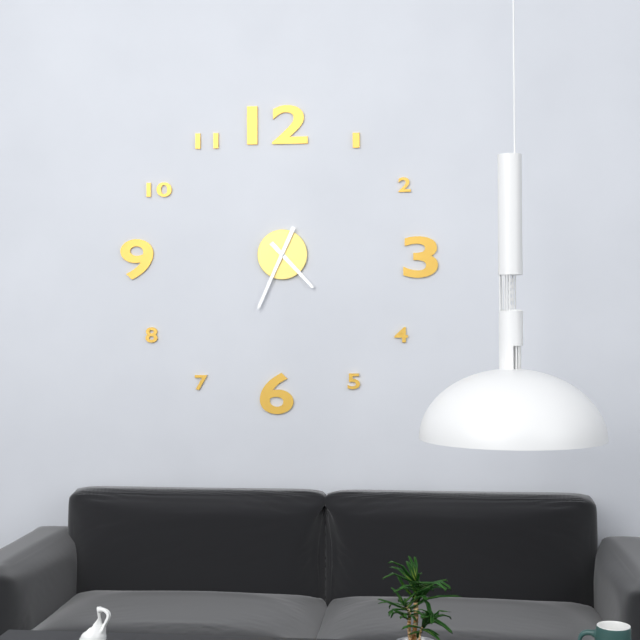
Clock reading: {"hour": 4, "minute": 34}
